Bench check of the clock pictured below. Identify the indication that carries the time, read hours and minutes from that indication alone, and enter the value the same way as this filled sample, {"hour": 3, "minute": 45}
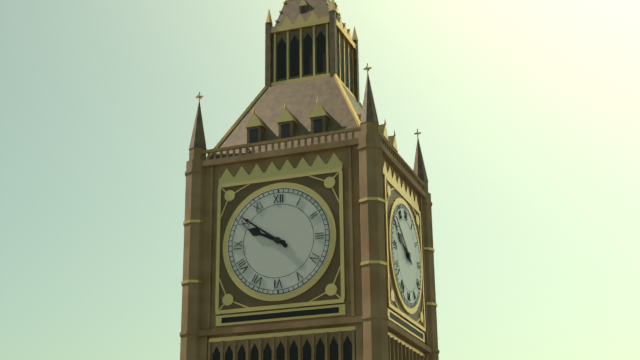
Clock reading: {"hour": 9, "minute": 51}
